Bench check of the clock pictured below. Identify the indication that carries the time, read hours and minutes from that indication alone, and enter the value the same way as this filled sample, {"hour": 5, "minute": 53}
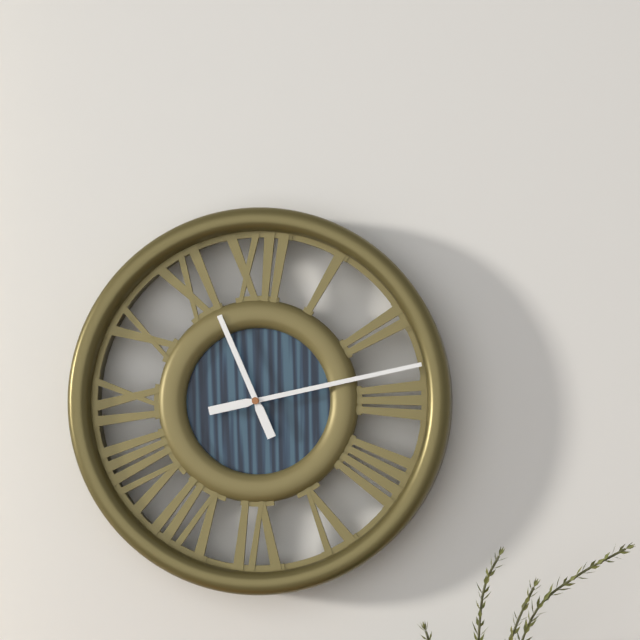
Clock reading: {"hour": 11, "minute": 13}
